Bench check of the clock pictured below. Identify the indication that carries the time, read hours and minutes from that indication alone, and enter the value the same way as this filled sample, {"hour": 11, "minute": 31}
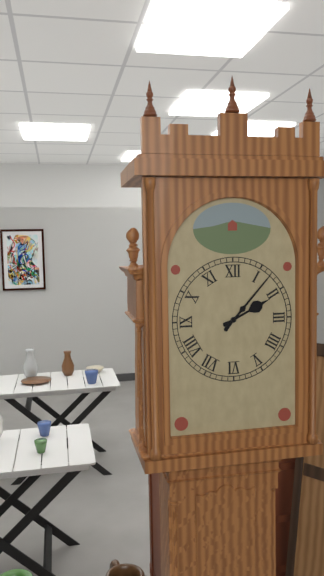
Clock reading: {"hour": 2, "minute": 7}
